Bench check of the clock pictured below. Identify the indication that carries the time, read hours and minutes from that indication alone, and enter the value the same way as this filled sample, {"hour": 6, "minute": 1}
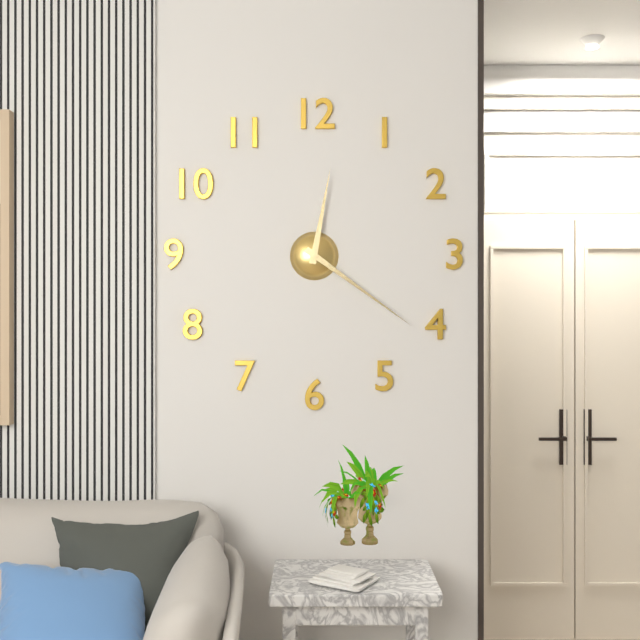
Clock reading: {"hour": 12, "minute": 21}
